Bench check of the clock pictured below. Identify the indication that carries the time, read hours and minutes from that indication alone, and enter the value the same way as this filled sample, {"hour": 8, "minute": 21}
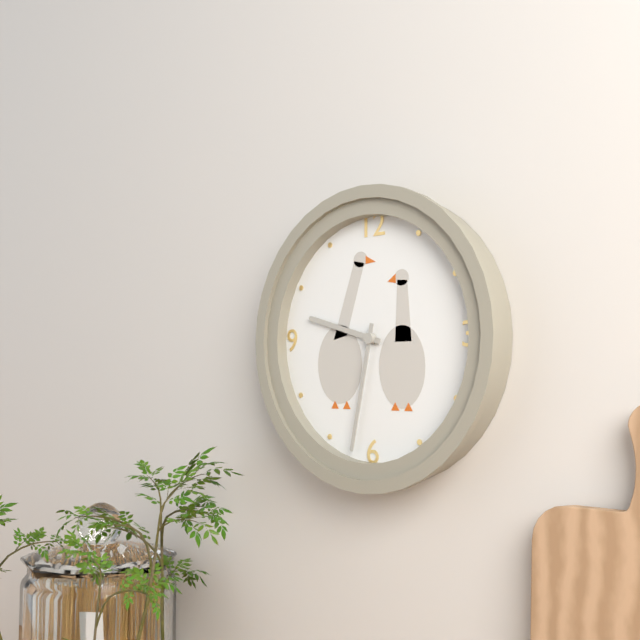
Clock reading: {"hour": 9, "minute": 32}
